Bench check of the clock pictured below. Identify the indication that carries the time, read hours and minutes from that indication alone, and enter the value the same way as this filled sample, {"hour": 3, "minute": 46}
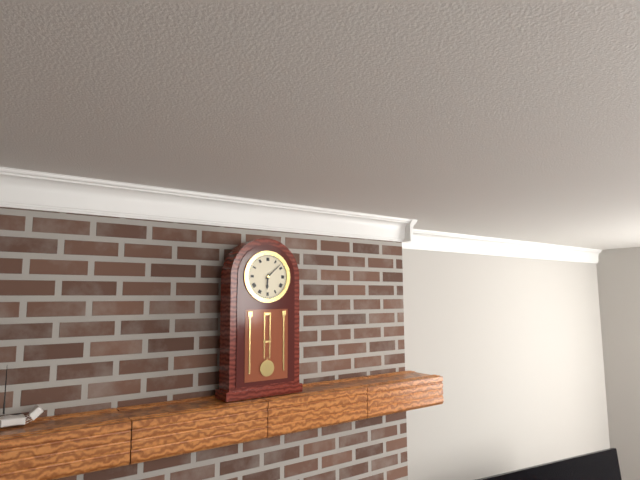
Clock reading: {"hour": 6, "minute": 8}
